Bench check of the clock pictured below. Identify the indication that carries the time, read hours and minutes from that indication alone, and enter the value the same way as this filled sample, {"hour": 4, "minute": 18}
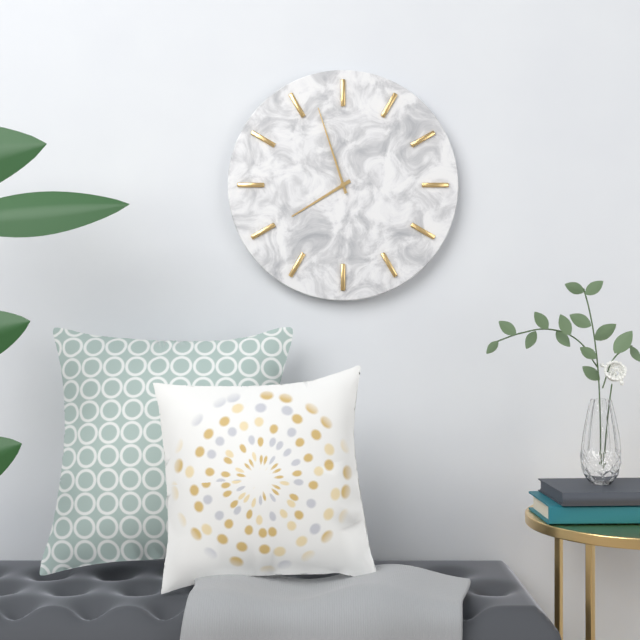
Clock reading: {"hour": 7, "minute": 57}
